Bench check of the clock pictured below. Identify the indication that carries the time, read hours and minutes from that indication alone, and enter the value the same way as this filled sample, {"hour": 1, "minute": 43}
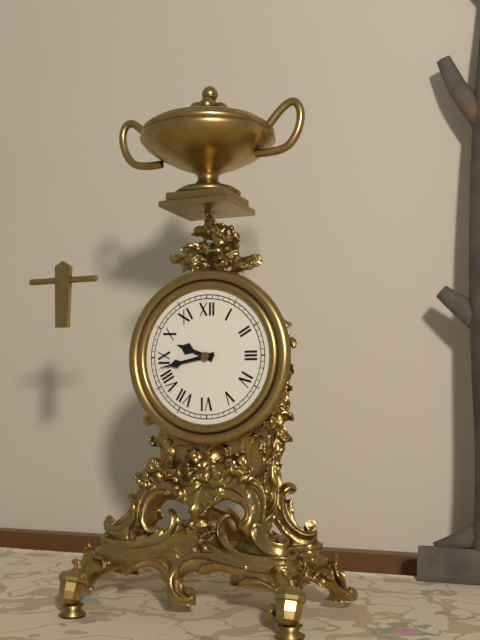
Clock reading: {"hour": 9, "minute": 43}
